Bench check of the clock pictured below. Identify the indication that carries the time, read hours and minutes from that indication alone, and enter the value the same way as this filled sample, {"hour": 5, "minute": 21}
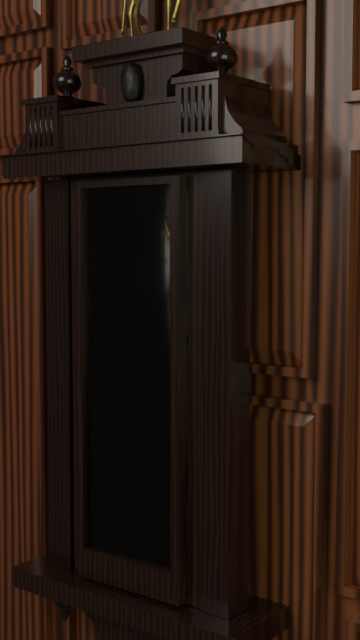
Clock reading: {"hour": 12, "minute": 49}
